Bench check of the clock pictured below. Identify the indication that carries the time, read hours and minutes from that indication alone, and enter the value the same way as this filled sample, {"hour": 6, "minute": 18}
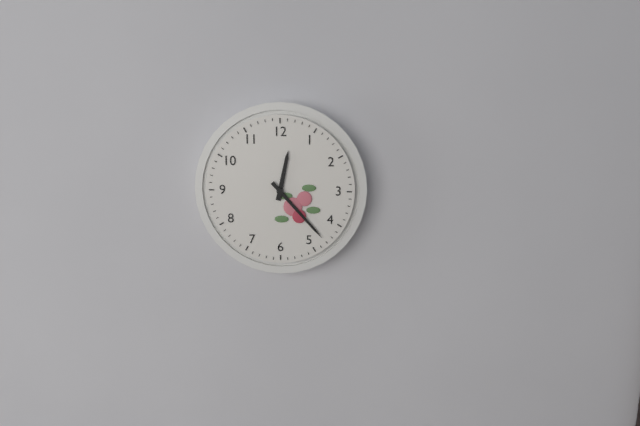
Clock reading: {"hour": 12, "minute": 23}
